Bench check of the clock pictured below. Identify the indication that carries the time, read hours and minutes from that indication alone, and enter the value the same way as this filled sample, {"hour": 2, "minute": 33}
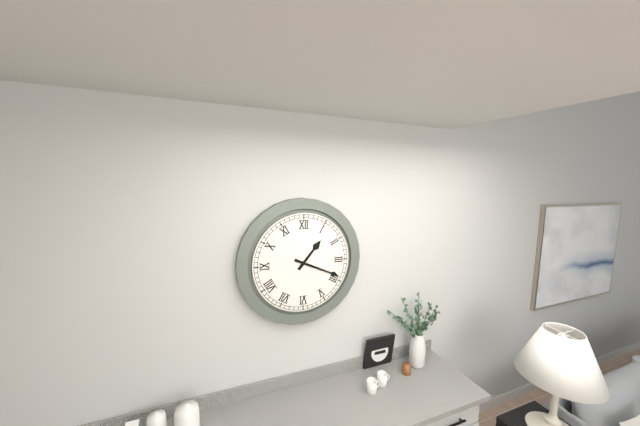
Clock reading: {"hour": 1, "minute": 19}
